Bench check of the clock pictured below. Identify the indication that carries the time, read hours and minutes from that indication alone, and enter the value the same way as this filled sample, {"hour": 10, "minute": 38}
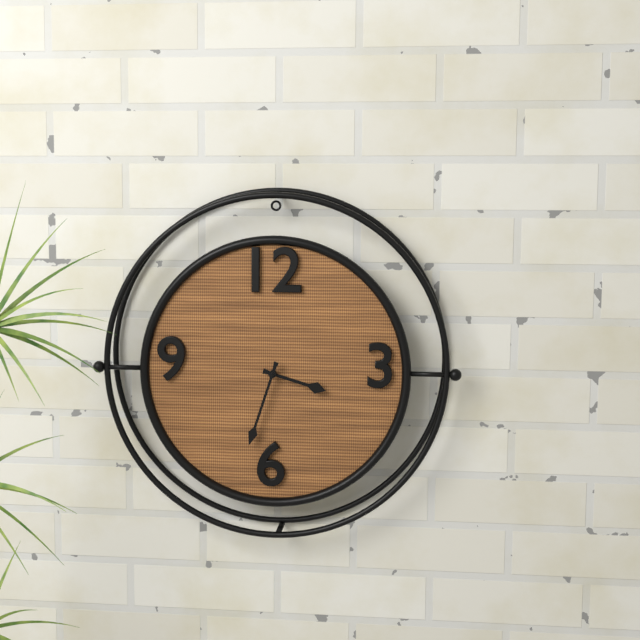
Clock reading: {"hour": 3, "minute": 33}
